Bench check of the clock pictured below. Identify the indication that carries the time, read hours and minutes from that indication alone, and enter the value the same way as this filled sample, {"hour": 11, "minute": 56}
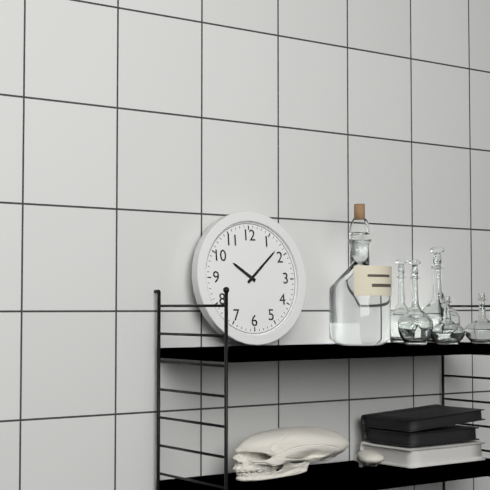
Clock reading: {"hour": 10, "minute": 8}
